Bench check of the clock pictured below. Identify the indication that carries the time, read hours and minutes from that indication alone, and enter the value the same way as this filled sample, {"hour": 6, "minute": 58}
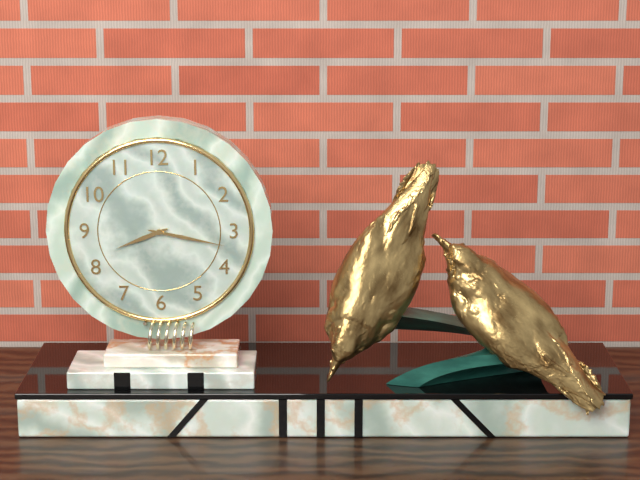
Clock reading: {"hour": 8, "minute": 17}
